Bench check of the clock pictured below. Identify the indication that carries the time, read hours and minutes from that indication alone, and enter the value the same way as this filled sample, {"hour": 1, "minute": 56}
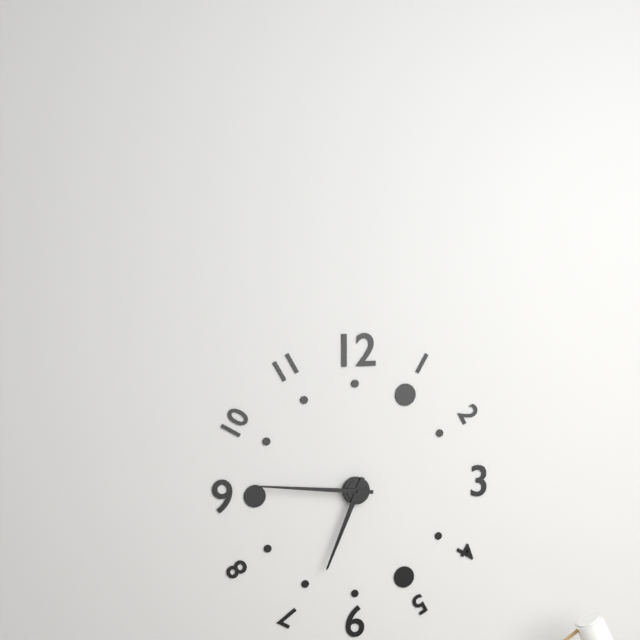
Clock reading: {"hour": 6, "minute": 46}
